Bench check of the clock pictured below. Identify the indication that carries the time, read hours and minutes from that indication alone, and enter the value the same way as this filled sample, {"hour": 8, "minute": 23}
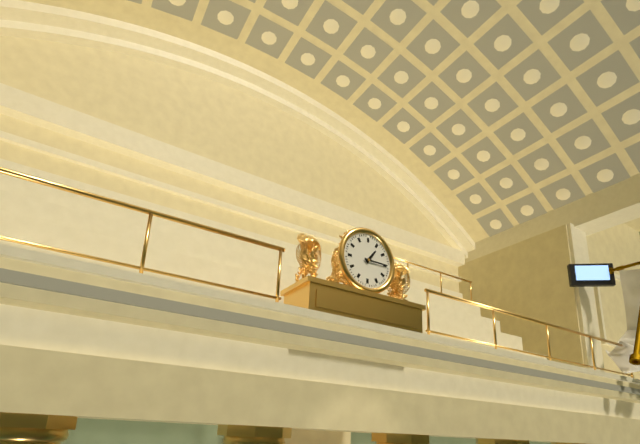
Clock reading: {"hour": 1, "minute": 15}
